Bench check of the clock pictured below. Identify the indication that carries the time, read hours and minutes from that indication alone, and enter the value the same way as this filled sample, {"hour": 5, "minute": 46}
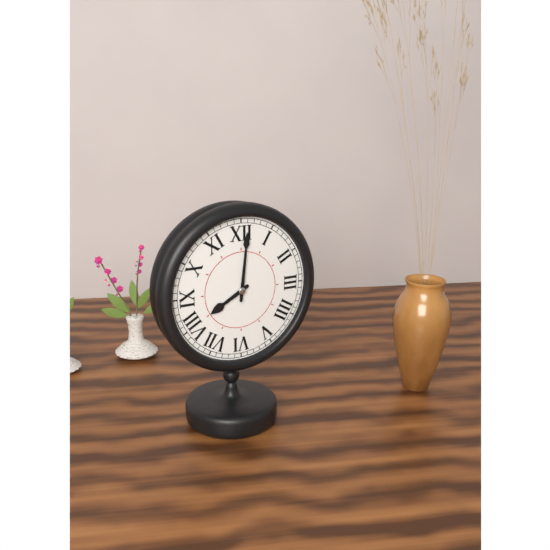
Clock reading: {"hour": 8, "minute": 1}
